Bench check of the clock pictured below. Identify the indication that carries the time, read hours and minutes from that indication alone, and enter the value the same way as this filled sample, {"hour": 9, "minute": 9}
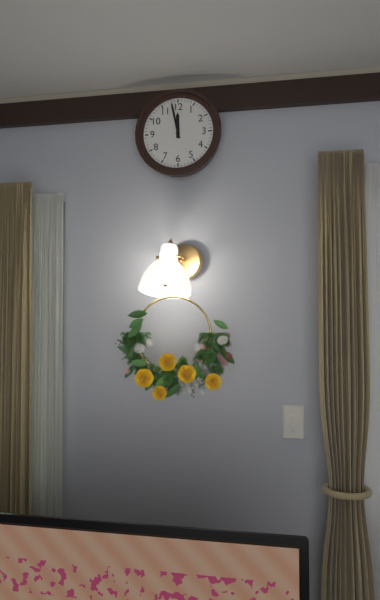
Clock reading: {"hour": 11, "minute": 58}
